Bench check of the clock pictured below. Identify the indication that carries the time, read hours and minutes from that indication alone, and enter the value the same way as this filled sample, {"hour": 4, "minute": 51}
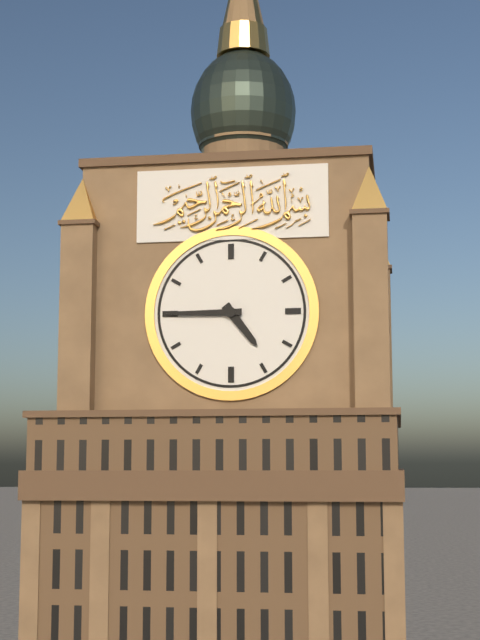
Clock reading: {"hour": 4, "minute": 45}
